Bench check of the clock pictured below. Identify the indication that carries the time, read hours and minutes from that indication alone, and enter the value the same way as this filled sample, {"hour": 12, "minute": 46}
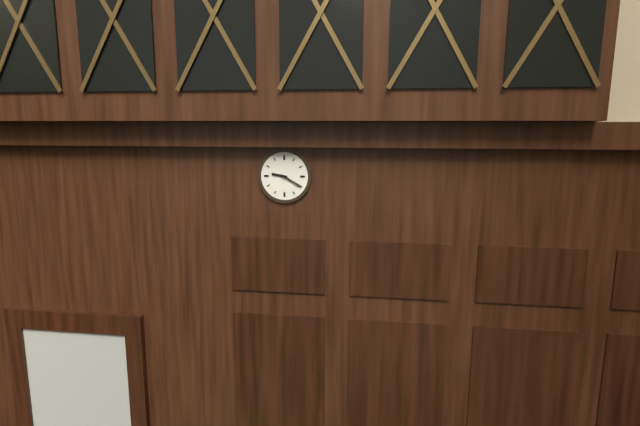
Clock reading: {"hour": 9, "minute": 20}
